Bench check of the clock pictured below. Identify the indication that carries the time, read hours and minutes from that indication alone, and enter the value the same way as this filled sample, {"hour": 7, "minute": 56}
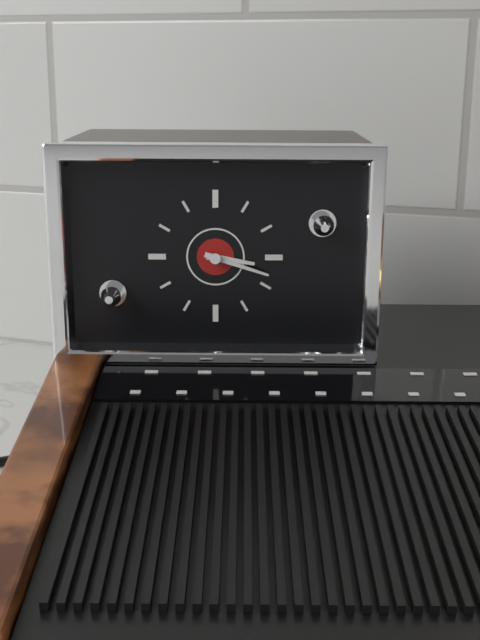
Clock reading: {"hour": 3, "minute": 18}
